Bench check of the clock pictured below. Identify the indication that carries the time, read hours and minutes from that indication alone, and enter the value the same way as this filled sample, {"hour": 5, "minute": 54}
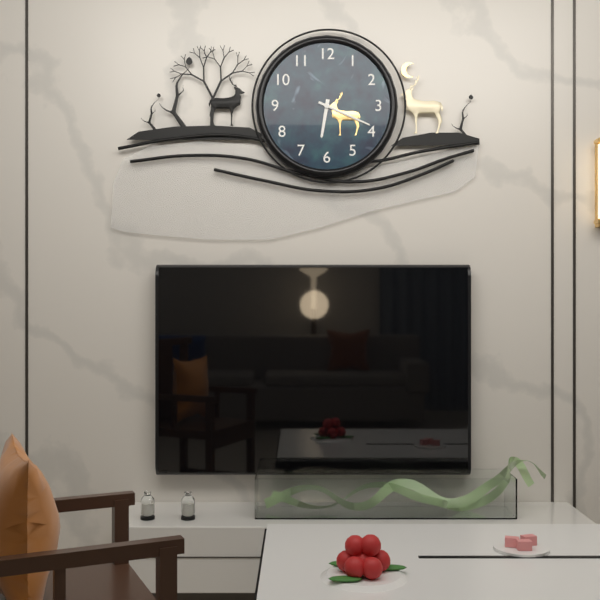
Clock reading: {"hour": 6, "minute": 19}
